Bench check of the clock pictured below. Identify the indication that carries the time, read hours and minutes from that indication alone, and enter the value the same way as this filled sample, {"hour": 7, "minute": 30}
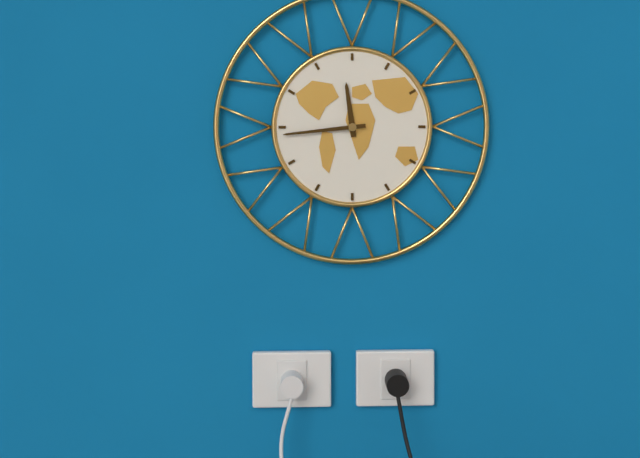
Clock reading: {"hour": 11, "minute": 44}
